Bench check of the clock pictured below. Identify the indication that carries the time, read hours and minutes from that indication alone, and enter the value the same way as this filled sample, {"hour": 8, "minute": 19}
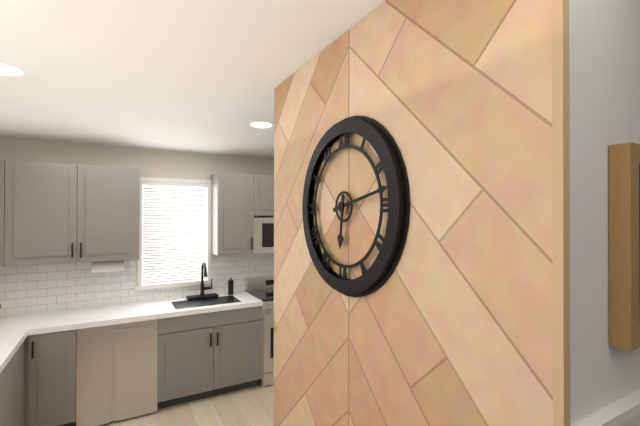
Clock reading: {"hour": 6, "minute": 13}
